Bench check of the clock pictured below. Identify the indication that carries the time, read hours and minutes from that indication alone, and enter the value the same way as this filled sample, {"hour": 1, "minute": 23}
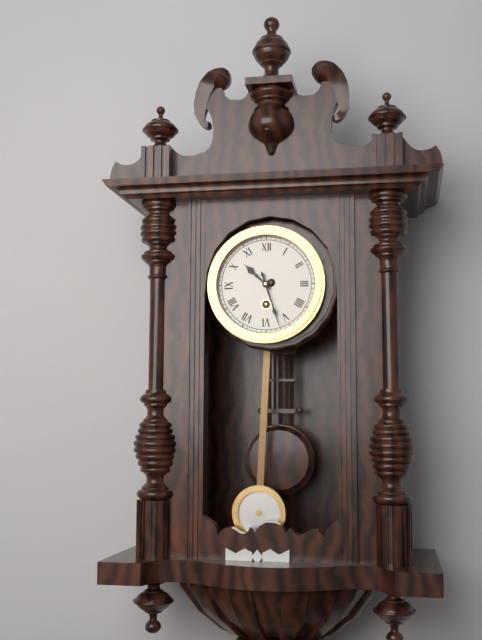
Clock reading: {"hour": 10, "minute": 27}
